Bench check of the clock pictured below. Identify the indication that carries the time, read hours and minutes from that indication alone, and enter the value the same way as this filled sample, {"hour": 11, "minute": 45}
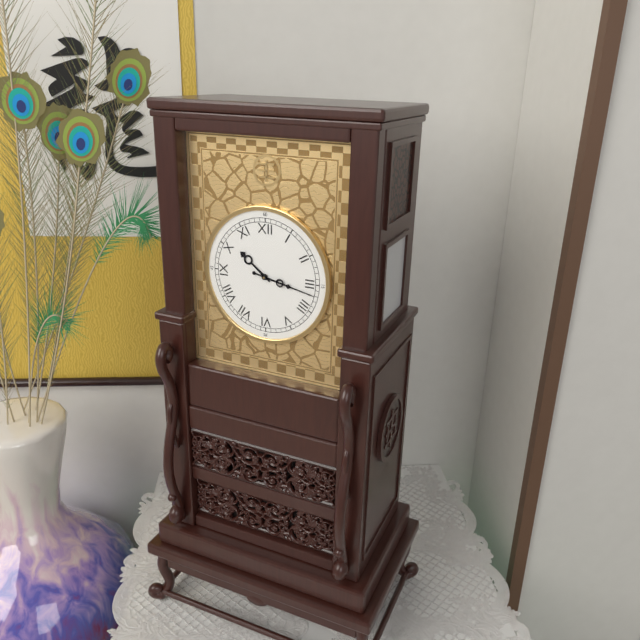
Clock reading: {"hour": 10, "minute": 17}
